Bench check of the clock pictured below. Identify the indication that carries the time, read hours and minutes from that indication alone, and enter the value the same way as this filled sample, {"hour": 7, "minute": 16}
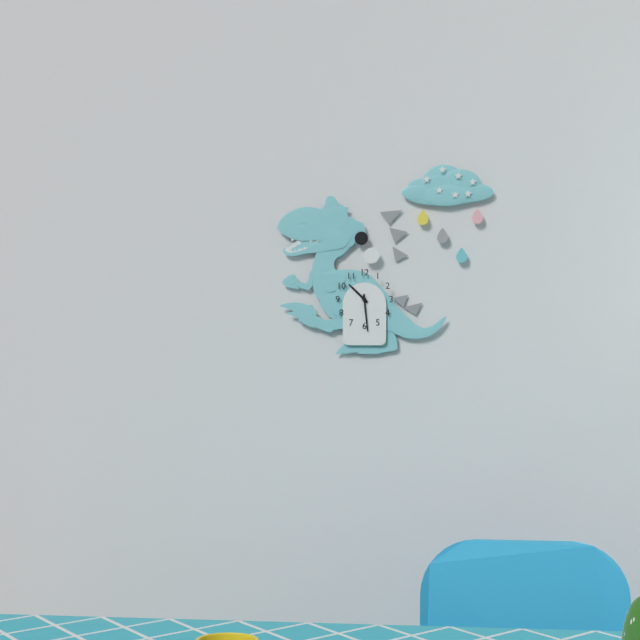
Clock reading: {"hour": 10, "minute": 29}
